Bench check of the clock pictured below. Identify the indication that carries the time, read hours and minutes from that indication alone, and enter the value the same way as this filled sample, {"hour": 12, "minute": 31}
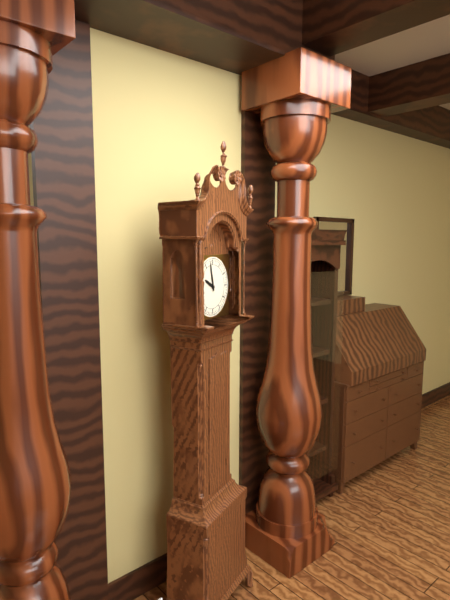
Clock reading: {"hour": 9, "minute": 58}
